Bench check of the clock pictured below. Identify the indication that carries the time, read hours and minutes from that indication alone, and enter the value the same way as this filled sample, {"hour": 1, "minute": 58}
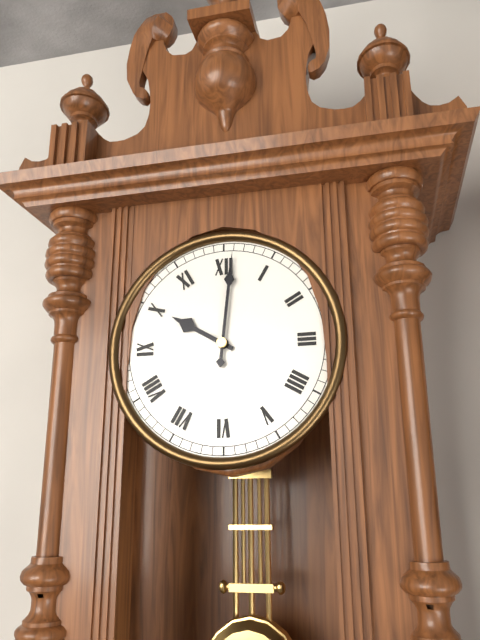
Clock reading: {"hour": 10, "minute": 1}
